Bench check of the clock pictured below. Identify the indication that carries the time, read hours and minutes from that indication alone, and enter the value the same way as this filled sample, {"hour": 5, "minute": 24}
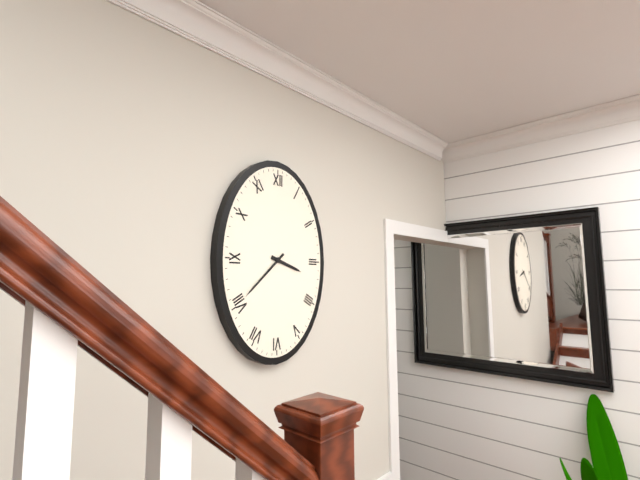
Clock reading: {"hour": 3, "minute": 38}
